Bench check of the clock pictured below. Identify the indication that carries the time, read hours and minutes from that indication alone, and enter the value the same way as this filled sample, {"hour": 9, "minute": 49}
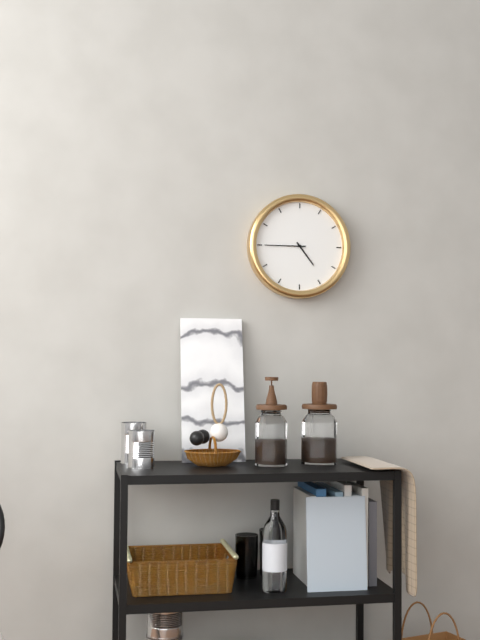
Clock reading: {"hour": 4, "minute": 45}
